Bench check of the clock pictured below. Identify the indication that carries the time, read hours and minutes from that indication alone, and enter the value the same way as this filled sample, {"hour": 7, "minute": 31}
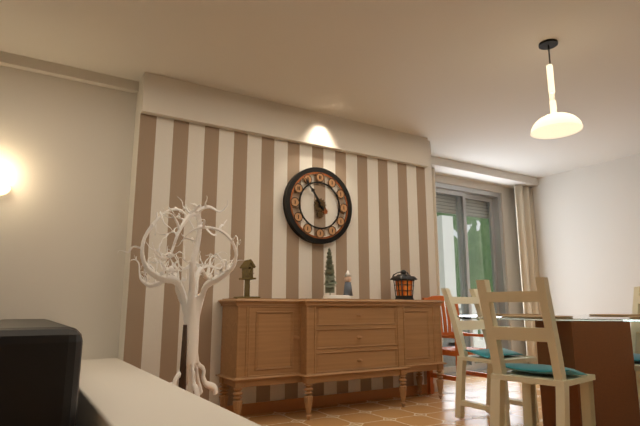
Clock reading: {"hour": 10, "minute": 54}
